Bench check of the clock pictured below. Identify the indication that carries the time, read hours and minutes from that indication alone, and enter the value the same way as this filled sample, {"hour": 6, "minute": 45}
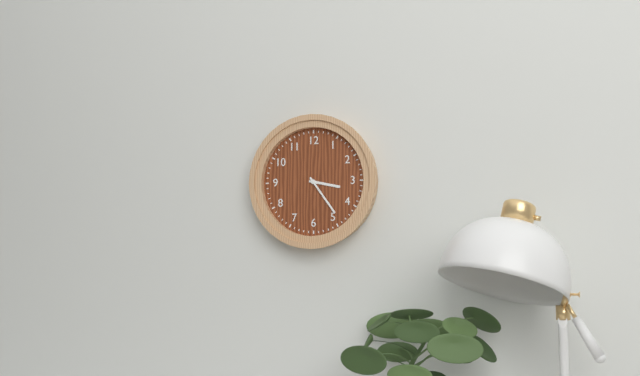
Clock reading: {"hour": 3, "minute": 24}
